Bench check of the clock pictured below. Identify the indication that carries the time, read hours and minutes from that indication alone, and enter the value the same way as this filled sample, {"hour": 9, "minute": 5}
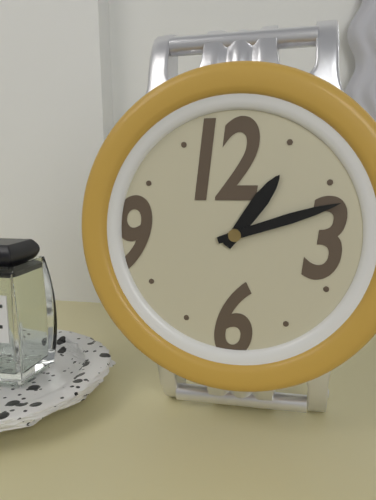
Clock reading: {"hour": 1, "minute": 12}
